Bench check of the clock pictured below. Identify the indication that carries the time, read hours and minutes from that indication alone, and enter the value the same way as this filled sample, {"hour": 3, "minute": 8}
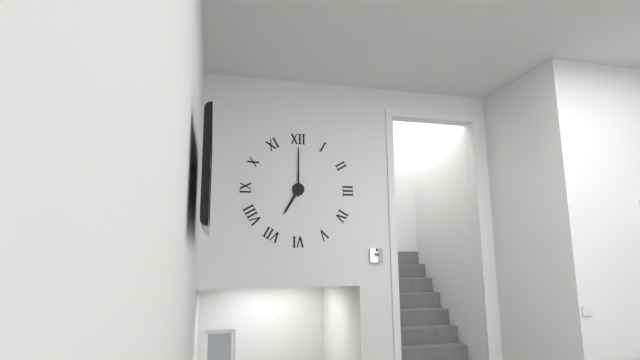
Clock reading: {"hour": 7, "minute": 0}
